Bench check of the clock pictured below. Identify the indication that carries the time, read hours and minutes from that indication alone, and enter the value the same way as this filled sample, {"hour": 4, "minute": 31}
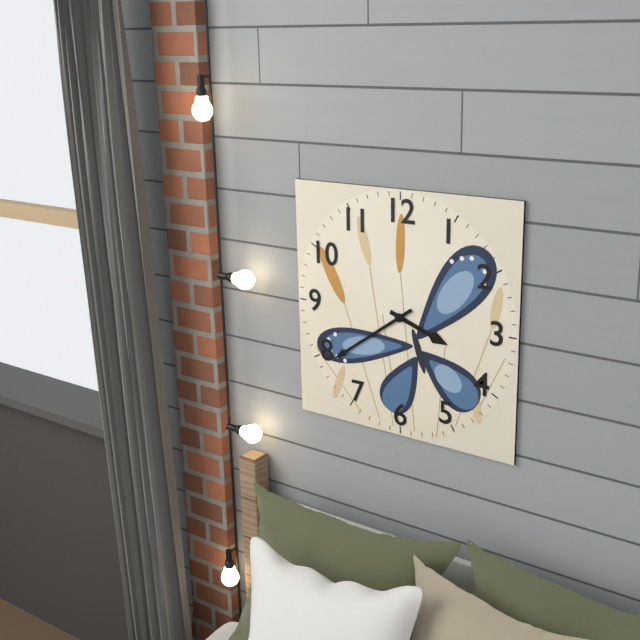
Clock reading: {"hour": 3, "minute": 39}
